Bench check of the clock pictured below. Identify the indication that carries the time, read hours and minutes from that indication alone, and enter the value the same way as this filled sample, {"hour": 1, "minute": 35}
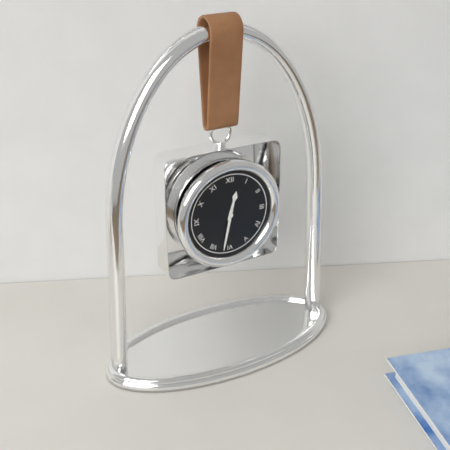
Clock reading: {"hour": 12, "minute": 32}
